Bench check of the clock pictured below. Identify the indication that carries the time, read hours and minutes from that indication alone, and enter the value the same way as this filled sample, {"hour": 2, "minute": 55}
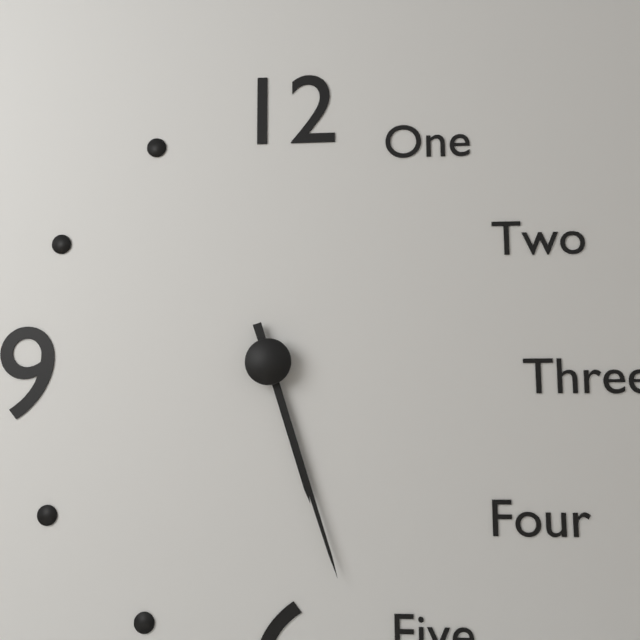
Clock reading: {"hour": 5, "minute": 27}
